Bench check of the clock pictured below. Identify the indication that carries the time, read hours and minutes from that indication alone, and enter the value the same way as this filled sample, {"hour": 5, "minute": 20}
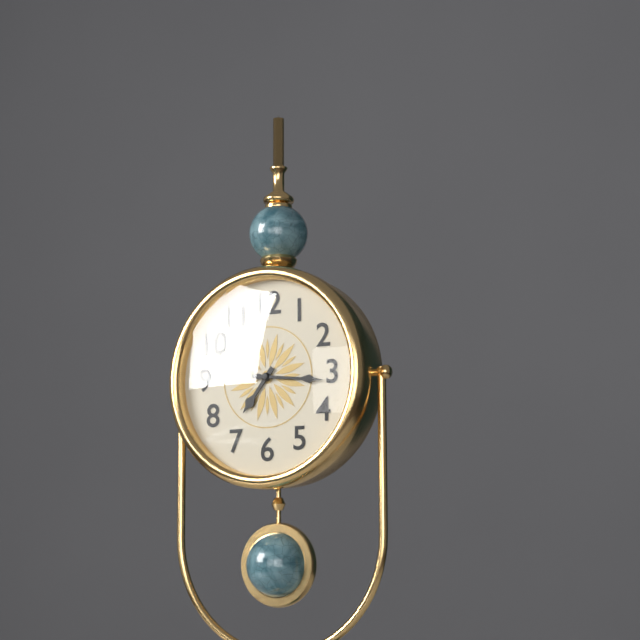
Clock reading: {"hour": 7, "minute": 16}
